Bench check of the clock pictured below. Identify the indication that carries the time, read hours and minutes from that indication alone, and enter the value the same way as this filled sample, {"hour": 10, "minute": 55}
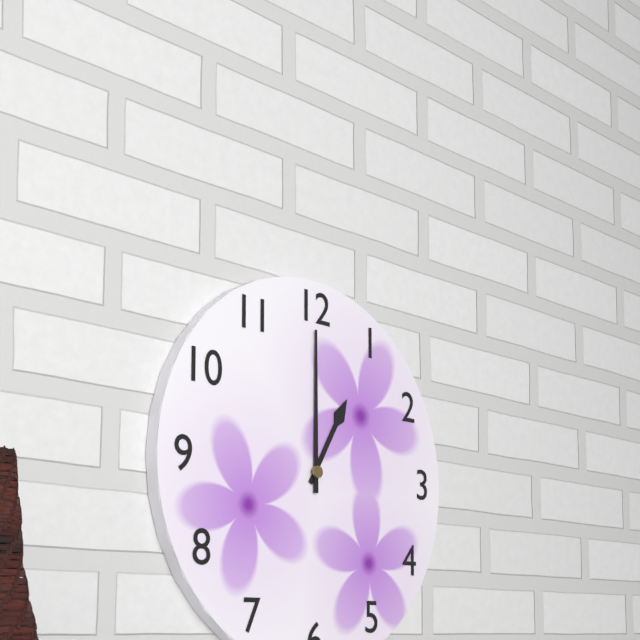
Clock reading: {"hour": 1, "minute": 0}
